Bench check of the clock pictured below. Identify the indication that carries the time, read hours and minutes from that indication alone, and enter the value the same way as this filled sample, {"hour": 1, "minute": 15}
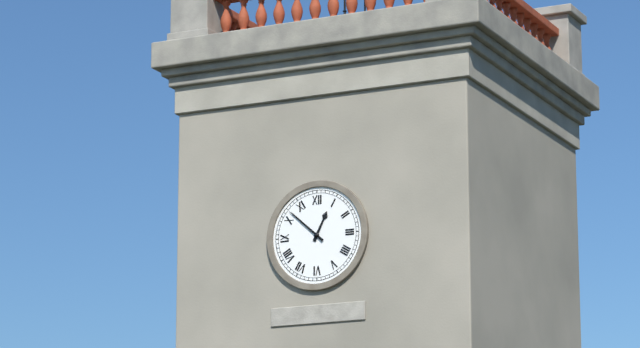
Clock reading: {"hour": 12, "minute": 52}
